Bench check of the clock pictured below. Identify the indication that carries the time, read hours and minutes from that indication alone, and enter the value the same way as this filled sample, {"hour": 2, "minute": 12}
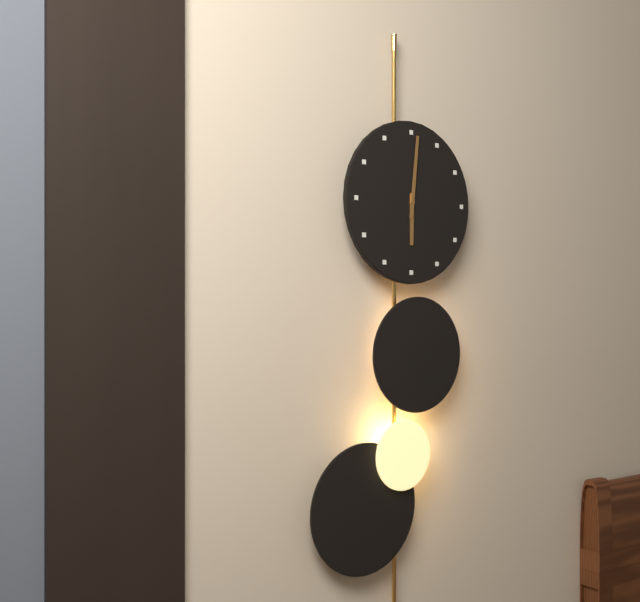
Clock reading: {"hour": 6, "minute": 1}
